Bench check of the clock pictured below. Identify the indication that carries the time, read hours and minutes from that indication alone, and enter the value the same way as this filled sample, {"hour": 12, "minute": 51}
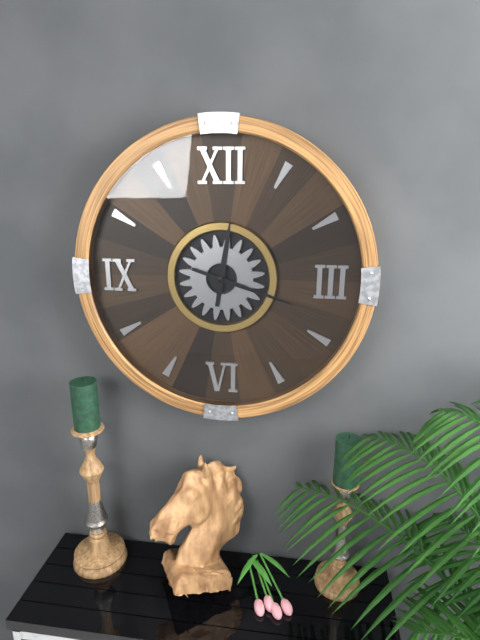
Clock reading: {"hour": 12, "minute": 18}
